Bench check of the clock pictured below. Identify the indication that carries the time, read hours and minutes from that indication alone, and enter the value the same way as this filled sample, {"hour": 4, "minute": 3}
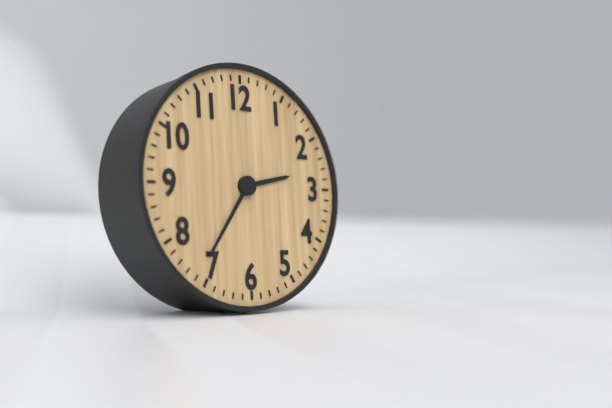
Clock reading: {"hour": 2, "minute": 36}
